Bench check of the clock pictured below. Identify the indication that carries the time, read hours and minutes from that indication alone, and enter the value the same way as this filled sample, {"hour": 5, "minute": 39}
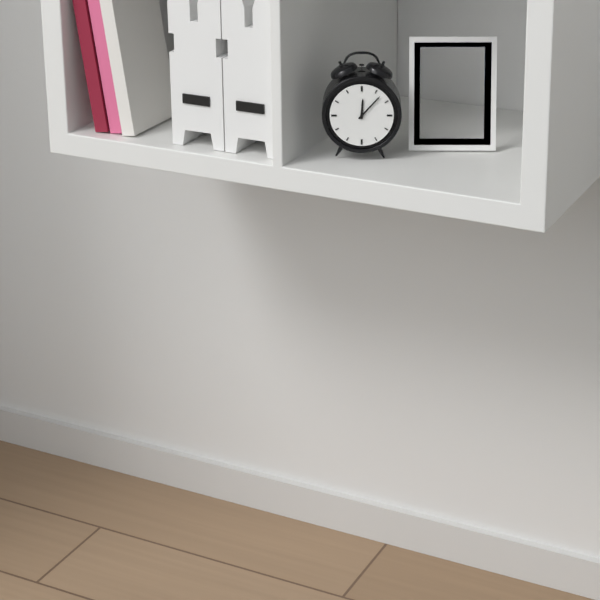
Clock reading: {"hour": 12, "minute": 7}
